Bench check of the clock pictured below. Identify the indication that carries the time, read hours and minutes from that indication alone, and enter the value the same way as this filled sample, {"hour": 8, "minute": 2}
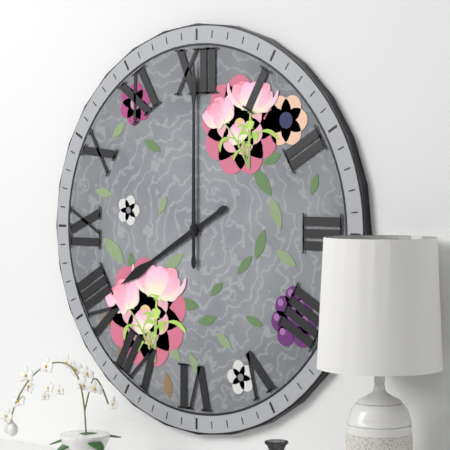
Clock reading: {"hour": 8, "minute": 0}
